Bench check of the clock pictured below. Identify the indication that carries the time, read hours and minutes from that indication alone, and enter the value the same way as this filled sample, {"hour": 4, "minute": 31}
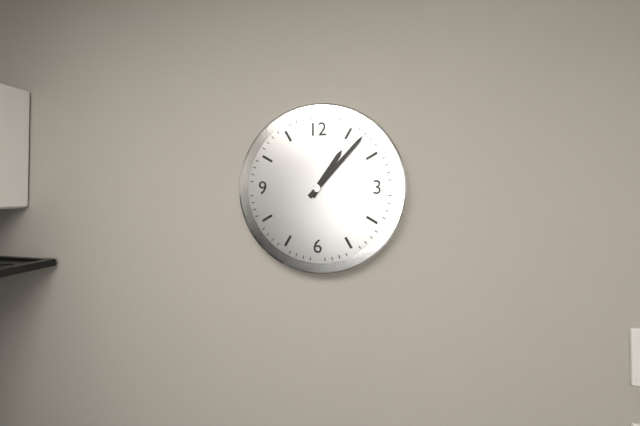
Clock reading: {"hour": 1, "minute": 7}
